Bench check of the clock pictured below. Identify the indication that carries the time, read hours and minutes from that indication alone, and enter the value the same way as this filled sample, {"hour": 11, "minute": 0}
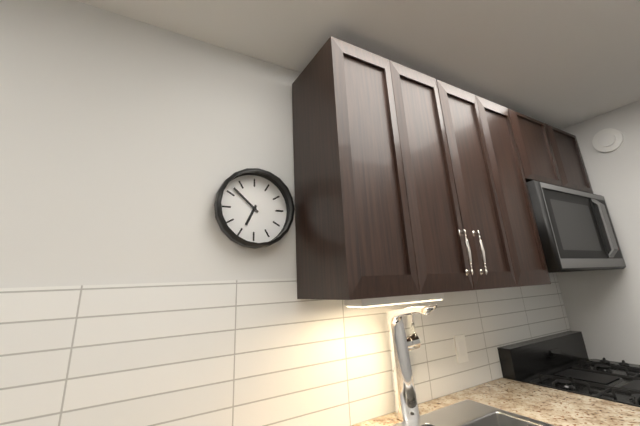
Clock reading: {"hour": 6, "minute": 52}
